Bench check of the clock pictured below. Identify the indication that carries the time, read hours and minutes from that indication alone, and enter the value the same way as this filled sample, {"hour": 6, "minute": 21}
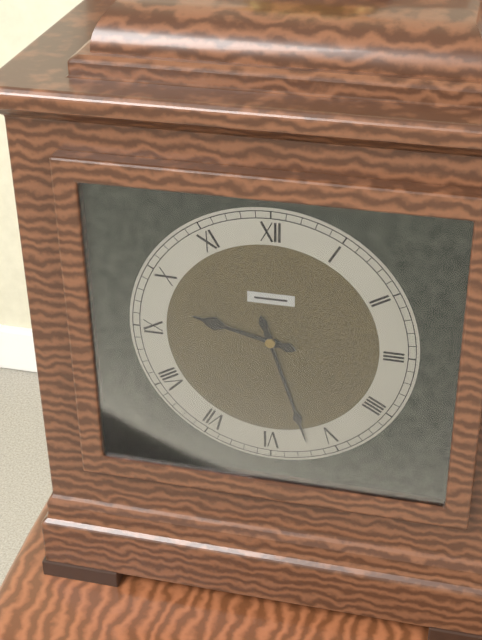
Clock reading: {"hour": 9, "minute": 27}
